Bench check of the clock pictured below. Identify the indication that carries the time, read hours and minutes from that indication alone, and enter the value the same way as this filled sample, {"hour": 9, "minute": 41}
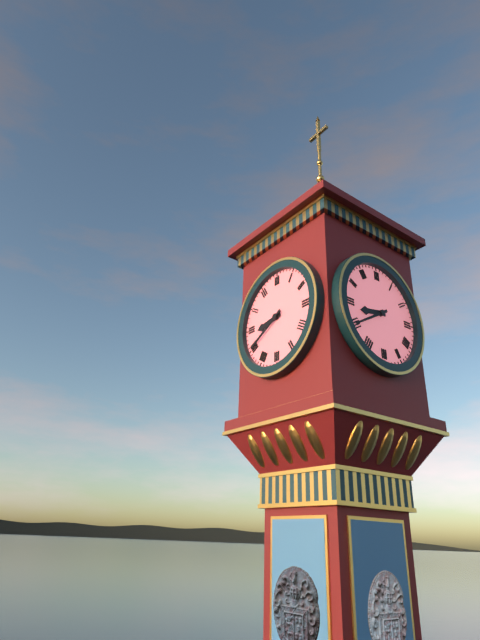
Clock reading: {"hour": 8, "minute": 40}
